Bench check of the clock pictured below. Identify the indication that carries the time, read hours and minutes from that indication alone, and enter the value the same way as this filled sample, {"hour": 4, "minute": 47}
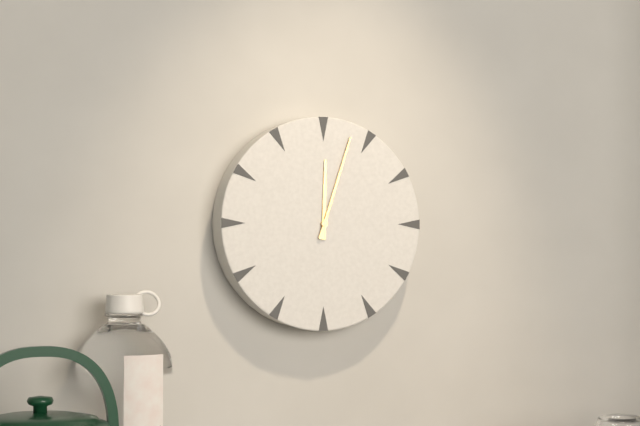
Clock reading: {"hour": 12, "minute": 3}
